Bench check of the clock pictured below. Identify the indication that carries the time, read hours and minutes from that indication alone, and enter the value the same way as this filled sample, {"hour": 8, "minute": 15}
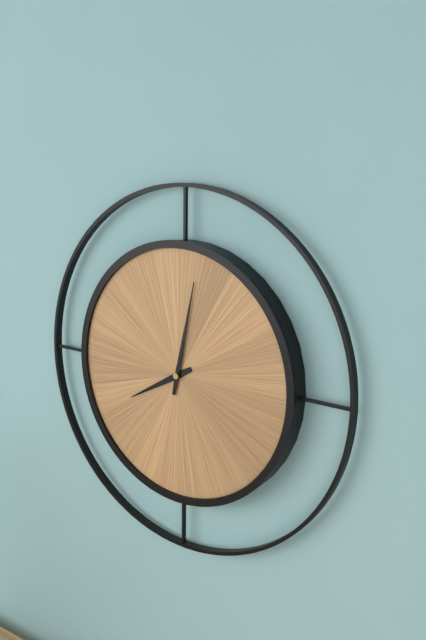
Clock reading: {"hour": 8, "minute": 2}
